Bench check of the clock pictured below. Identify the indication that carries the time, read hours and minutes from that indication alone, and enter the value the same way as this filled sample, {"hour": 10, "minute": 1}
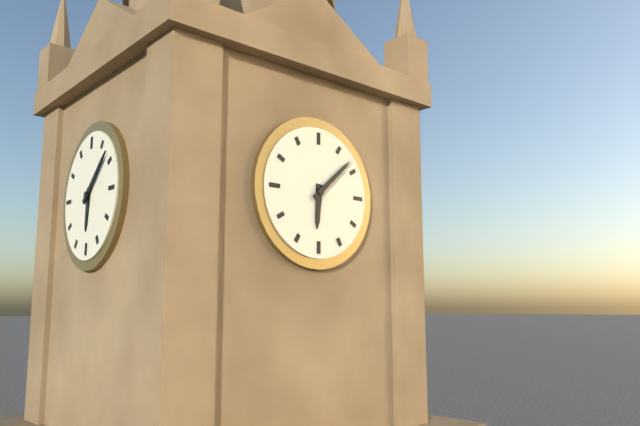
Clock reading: {"hour": 6, "minute": 8}
